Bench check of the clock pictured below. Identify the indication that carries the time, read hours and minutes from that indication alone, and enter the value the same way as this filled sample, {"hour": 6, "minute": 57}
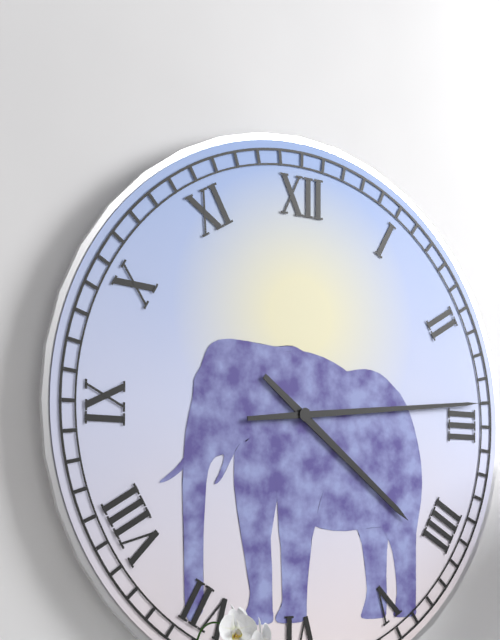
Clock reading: {"hour": 4, "minute": 14}
